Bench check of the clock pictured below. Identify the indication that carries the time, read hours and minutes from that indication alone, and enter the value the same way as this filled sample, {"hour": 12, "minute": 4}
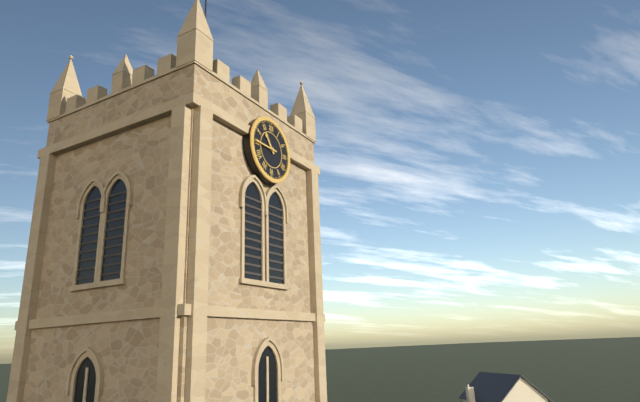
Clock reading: {"hour": 10, "minute": 45}
